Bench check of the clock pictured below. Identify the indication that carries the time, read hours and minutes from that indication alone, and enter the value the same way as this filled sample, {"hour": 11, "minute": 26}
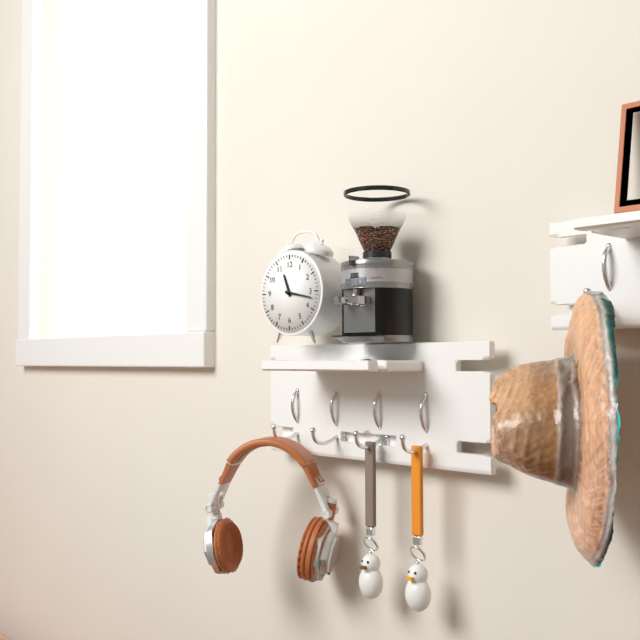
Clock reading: {"hour": 11, "minute": 17}
